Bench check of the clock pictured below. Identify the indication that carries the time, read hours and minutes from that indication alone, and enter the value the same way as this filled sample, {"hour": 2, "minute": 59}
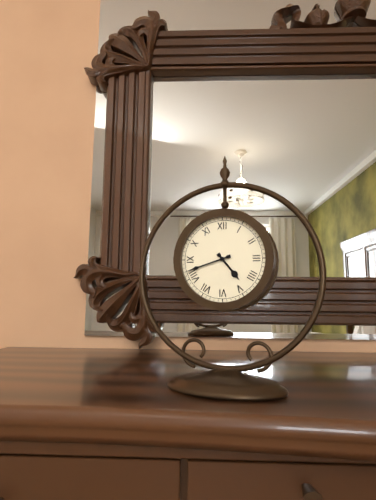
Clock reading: {"hour": 4, "minute": 42}
